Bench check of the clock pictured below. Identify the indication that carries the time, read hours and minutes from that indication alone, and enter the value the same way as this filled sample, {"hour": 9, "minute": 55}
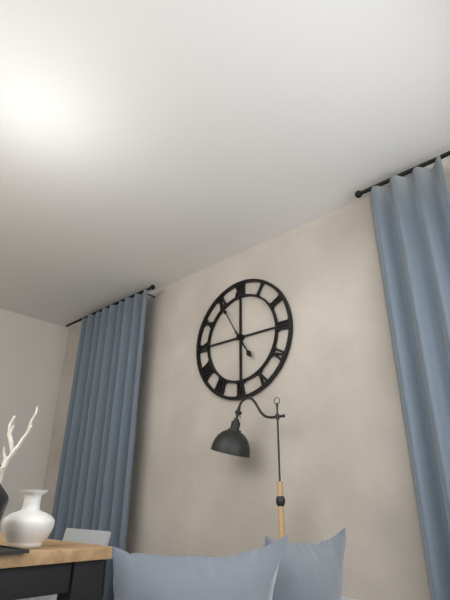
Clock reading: {"hour": 4, "minute": 55}
